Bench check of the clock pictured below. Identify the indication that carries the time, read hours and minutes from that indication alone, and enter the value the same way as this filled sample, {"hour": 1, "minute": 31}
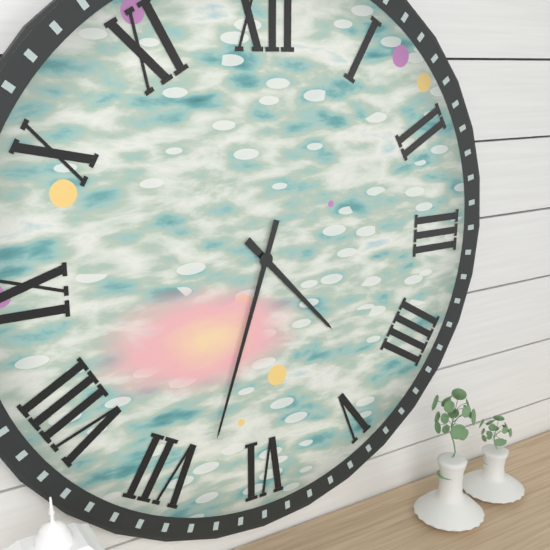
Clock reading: {"hour": 4, "minute": 33}
